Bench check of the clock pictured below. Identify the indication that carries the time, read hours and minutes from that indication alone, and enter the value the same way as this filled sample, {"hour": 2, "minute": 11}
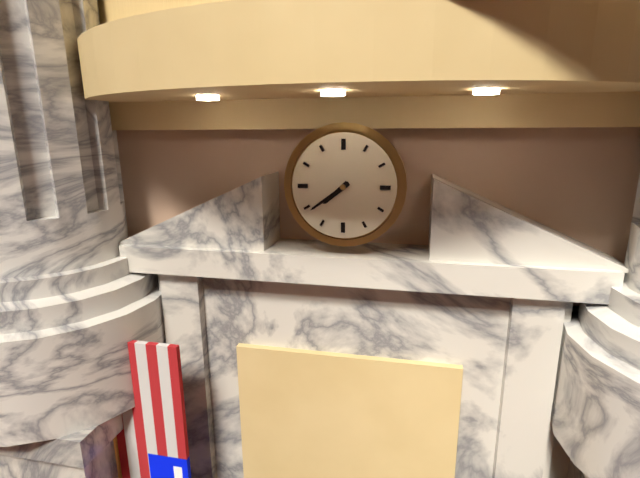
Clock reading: {"hour": 7, "minute": 39}
